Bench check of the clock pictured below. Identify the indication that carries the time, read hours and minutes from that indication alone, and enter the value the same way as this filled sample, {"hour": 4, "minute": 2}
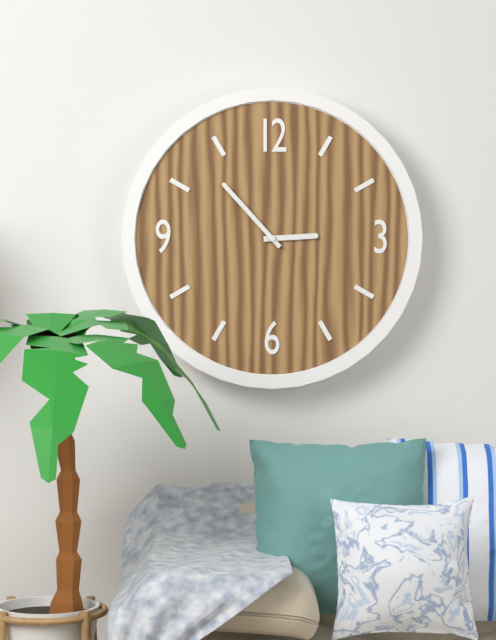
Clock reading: {"hour": 2, "minute": 53}
